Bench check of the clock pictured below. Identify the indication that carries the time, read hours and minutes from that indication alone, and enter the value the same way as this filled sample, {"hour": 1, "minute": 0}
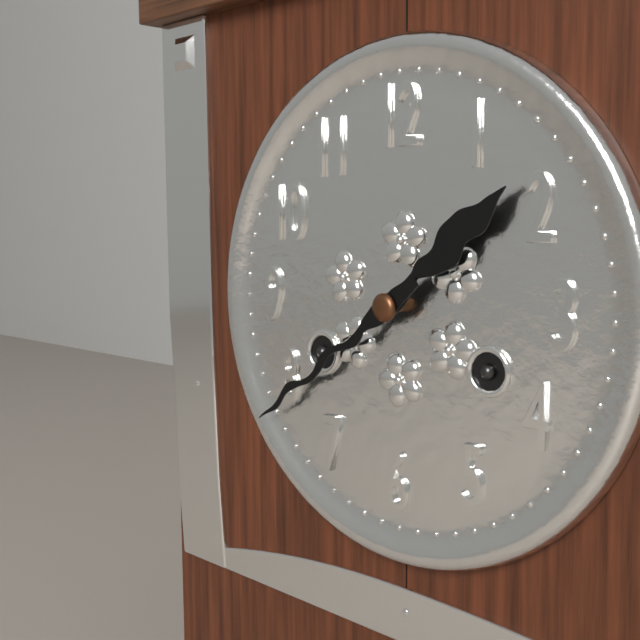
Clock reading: {"hour": 1, "minute": 39}
